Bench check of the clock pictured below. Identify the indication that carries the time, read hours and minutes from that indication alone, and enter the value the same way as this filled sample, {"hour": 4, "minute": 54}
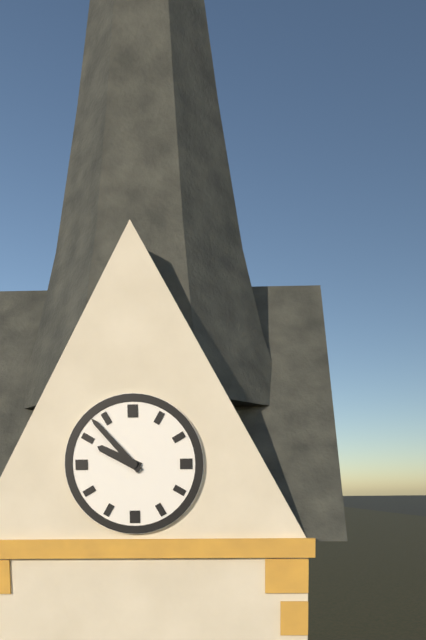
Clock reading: {"hour": 9, "minute": 53}
